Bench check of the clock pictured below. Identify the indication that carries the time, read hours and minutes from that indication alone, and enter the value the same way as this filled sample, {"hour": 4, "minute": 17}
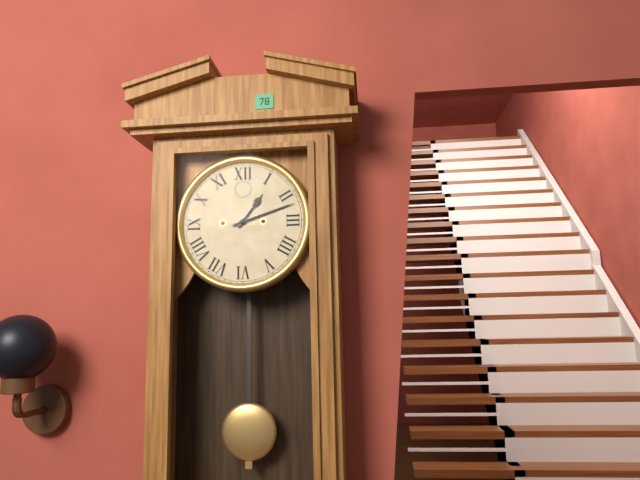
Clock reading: {"hour": 1, "minute": 12}
